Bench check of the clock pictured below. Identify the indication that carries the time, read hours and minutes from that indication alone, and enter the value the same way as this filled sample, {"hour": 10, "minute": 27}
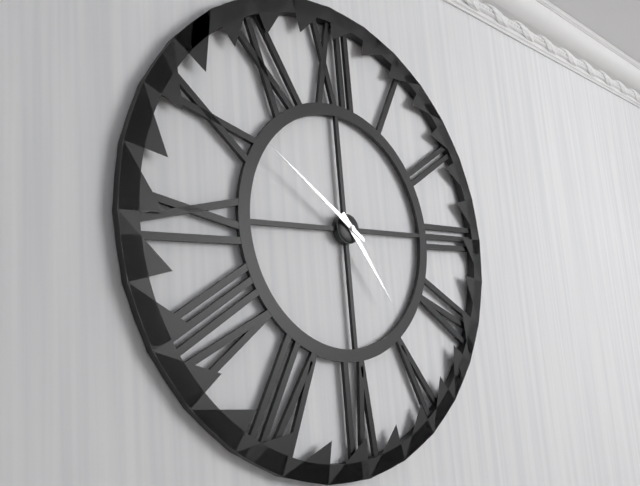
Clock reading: {"hour": 4, "minute": 51}
